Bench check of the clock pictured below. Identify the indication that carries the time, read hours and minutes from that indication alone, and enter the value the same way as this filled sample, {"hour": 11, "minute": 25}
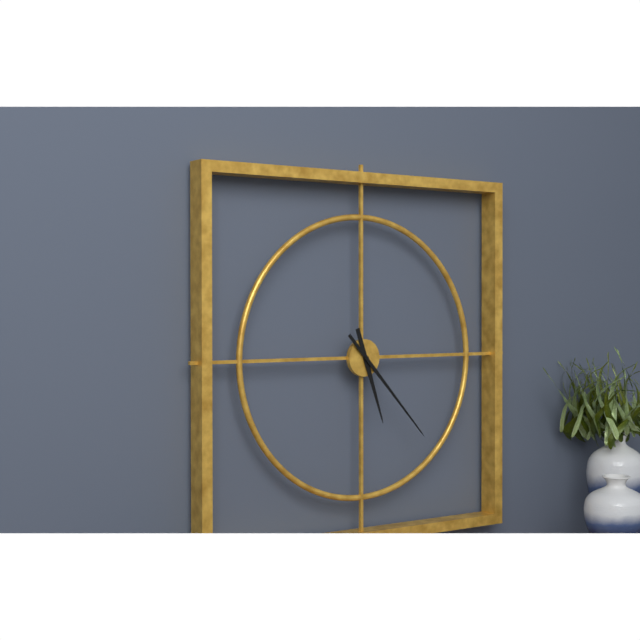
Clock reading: {"hour": 5, "minute": 23}
